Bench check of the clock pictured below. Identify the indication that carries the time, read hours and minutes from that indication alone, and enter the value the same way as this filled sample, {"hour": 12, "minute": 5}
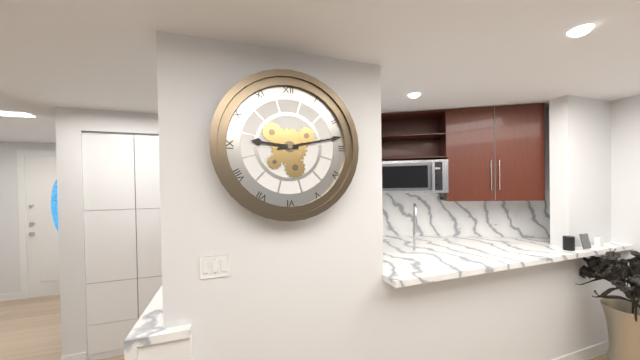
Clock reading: {"hour": 9, "minute": 13}
